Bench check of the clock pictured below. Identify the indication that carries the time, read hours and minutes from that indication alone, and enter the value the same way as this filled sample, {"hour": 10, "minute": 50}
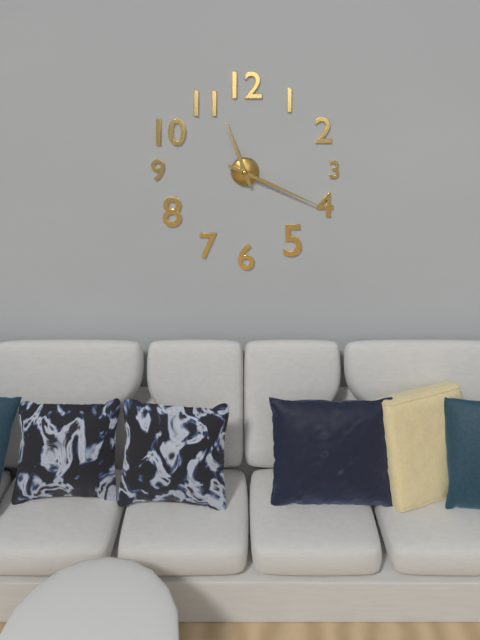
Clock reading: {"hour": 11, "minute": 19}
